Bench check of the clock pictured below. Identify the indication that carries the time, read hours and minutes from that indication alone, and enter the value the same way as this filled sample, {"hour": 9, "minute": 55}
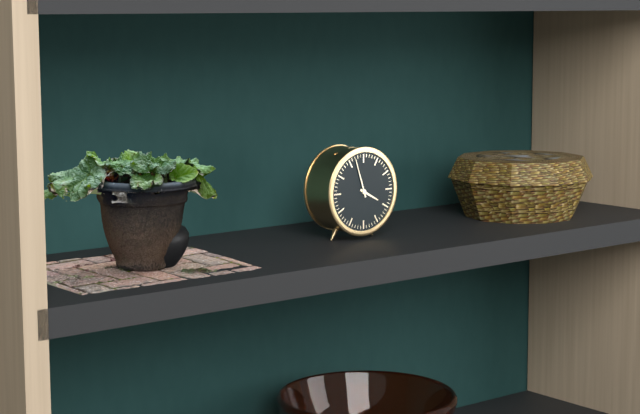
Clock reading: {"hour": 3, "minute": 57}
